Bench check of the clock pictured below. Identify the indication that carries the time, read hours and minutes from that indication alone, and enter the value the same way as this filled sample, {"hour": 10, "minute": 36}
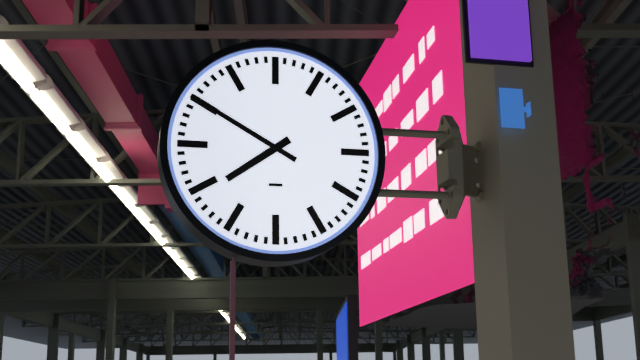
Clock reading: {"hour": 7, "minute": 50}
